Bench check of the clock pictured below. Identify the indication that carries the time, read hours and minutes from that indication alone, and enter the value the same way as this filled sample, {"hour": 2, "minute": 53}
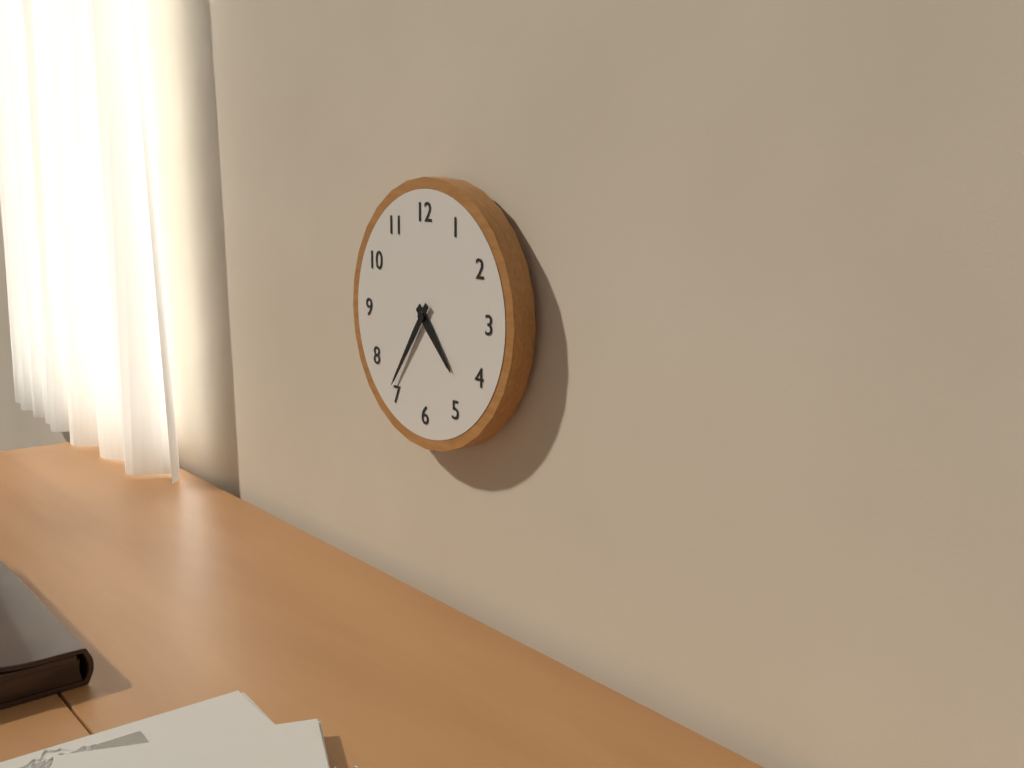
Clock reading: {"hour": 4, "minute": 36}
